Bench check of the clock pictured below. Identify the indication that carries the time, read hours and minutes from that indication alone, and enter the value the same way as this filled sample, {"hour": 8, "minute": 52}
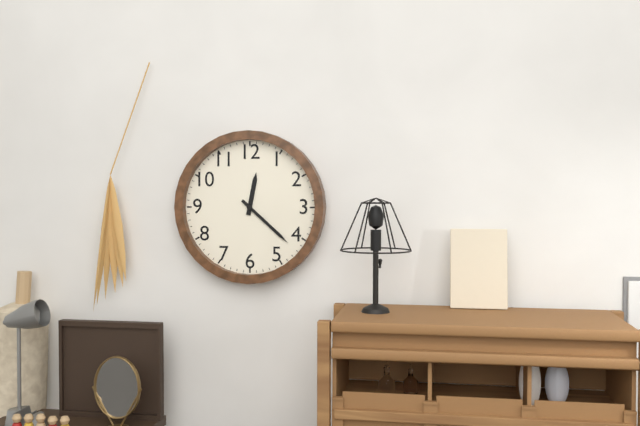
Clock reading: {"hour": 12, "minute": 22}
